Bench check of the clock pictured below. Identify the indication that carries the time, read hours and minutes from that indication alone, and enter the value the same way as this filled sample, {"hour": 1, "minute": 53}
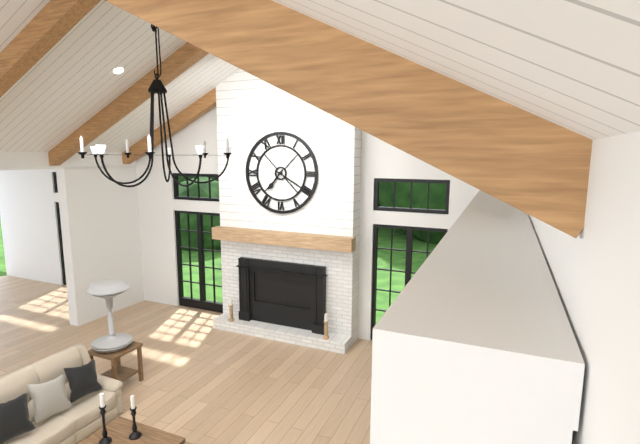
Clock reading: {"hour": 7, "minute": 20}
